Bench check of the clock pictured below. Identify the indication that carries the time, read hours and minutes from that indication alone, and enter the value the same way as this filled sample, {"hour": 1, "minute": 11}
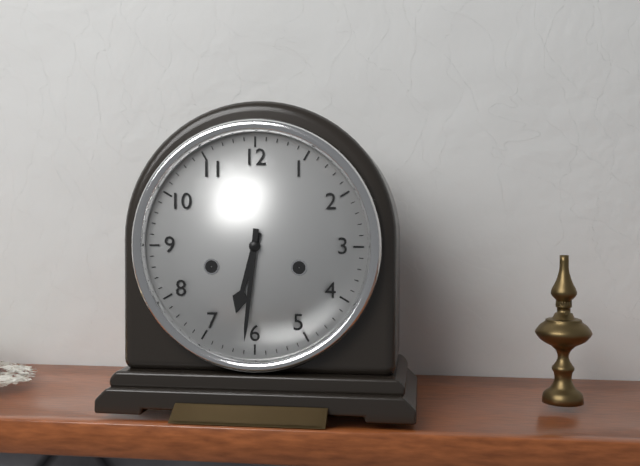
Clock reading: {"hour": 6, "minute": 31}
